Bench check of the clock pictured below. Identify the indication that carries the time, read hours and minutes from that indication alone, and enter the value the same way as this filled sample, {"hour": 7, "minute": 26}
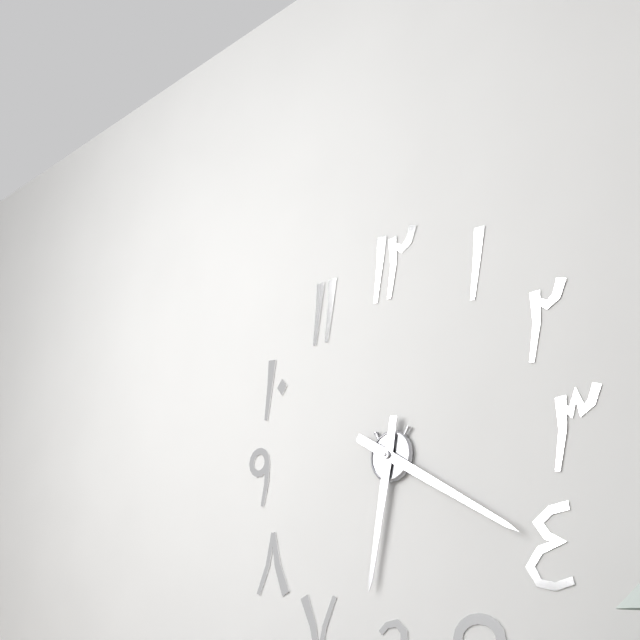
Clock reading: {"hour": 6, "minute": 20}
